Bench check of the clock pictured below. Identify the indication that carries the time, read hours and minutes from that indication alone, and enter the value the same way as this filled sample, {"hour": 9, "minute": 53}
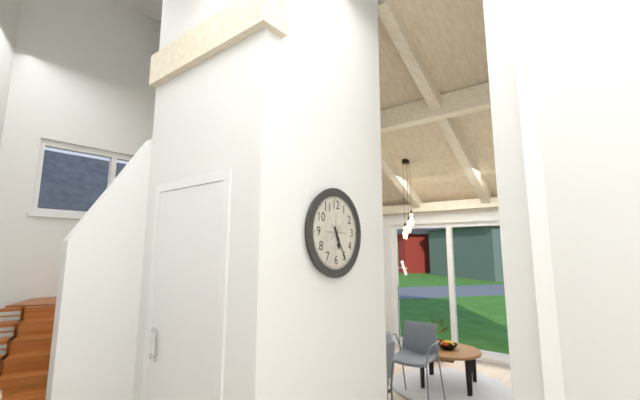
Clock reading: {"hour": 5, "minute": 25}
